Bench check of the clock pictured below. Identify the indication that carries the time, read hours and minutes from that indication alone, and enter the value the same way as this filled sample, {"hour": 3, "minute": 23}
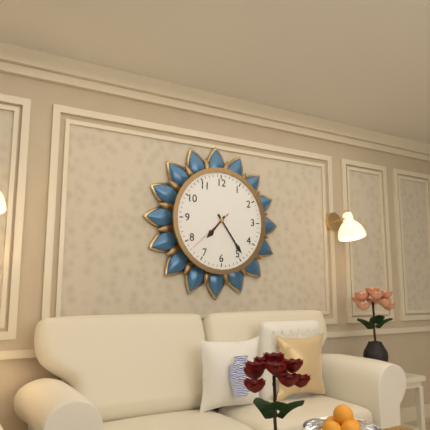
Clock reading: {"hour": 7, "minute": 24}
